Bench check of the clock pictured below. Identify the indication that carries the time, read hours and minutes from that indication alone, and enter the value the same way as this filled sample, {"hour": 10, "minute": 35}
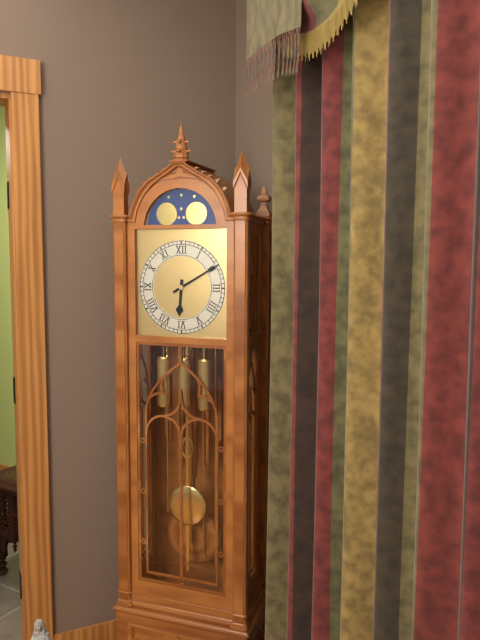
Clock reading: {"hour": 6, "minute": 10}
